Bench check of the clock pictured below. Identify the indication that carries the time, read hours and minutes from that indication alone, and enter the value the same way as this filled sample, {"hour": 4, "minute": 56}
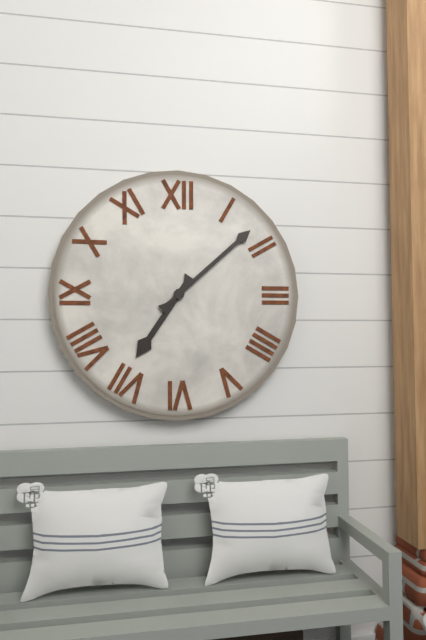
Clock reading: {"hour": 7, "minute": 8}
